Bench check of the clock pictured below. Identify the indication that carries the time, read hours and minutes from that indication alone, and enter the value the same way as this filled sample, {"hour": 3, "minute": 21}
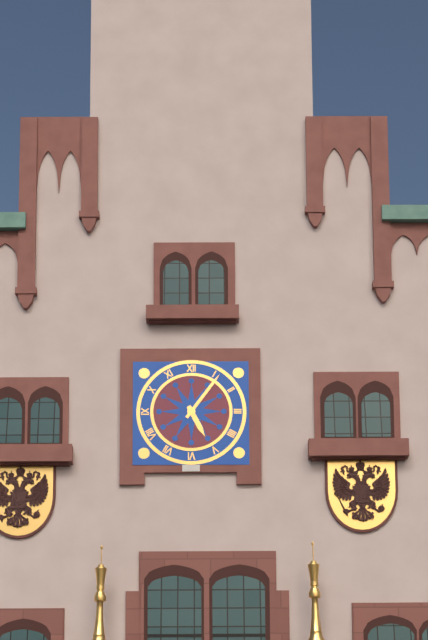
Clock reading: {"hour": 5, "minute": 6}
